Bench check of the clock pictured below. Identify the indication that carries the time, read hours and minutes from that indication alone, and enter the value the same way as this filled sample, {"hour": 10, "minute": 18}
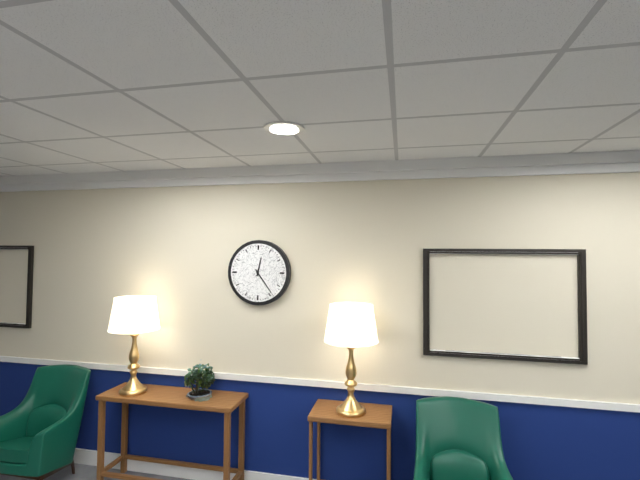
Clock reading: {"hour": 12, "minute": 24}
